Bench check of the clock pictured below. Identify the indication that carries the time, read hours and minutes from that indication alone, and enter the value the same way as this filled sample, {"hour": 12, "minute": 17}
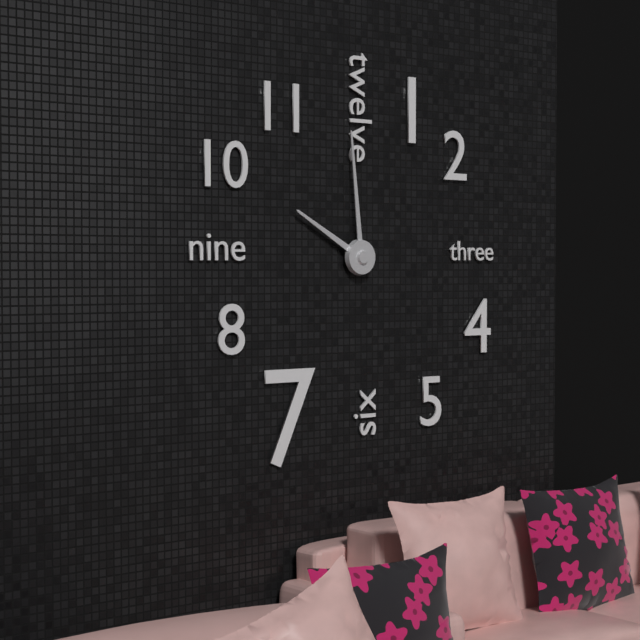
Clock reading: {"hour": 9, "minute": 59}
